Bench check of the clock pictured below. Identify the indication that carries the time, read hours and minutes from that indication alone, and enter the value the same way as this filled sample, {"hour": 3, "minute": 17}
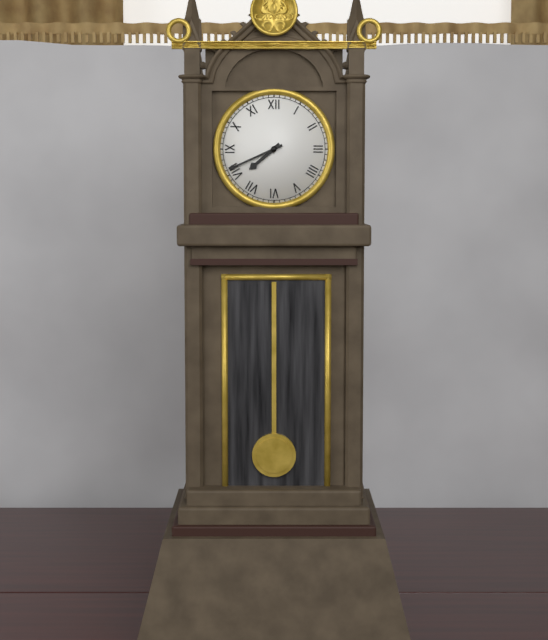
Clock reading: {"hour": 7, "minute": 41}
